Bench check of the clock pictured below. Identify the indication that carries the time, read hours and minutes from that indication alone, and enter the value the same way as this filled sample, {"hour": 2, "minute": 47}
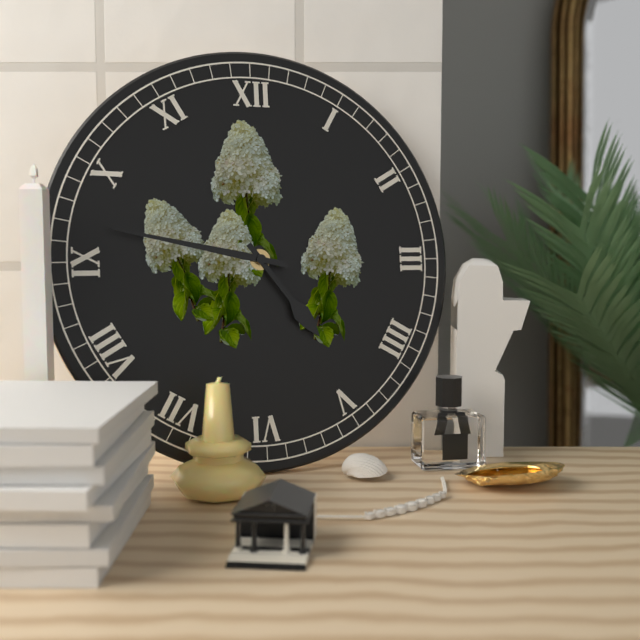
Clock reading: {"hour": 4, "minute": 47}
